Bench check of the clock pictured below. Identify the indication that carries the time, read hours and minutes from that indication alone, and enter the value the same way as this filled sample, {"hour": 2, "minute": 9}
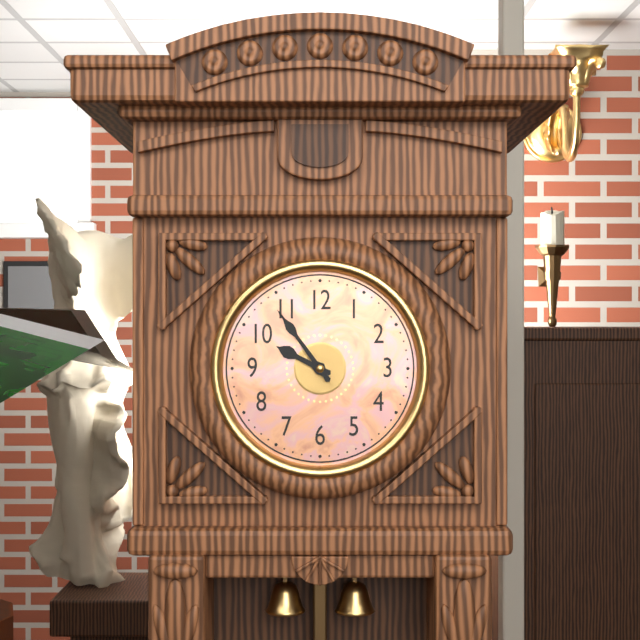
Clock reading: {"hour": 9, "minute": 54}
